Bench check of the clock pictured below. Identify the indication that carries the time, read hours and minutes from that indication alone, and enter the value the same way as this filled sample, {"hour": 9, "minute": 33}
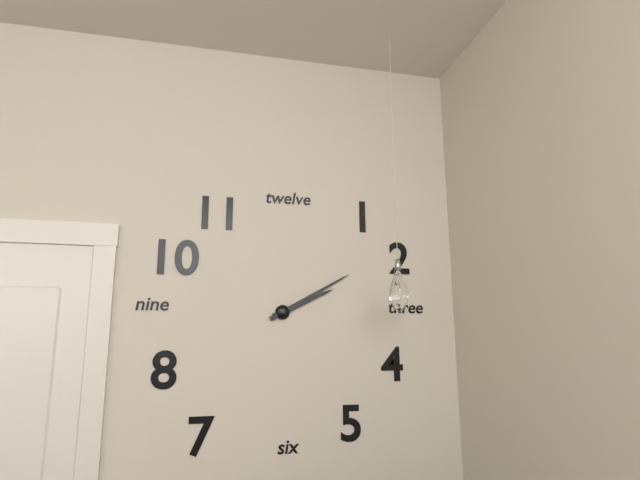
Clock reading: {"hour": 2, "minute": 10}
